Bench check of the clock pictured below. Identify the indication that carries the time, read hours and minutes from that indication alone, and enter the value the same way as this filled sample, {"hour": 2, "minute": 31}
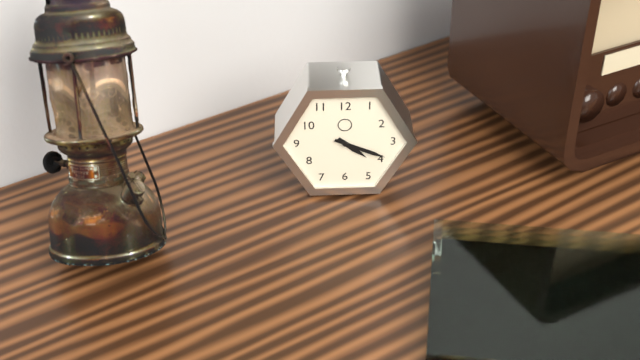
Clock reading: {"hour": 4, "minute": 19}
